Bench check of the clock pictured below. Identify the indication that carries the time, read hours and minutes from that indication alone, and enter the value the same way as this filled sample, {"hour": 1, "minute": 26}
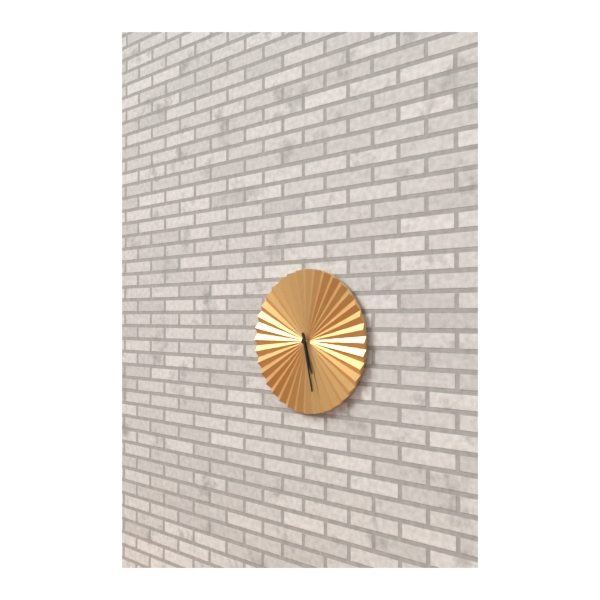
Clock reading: {"hour": 5, "minute": 28}
